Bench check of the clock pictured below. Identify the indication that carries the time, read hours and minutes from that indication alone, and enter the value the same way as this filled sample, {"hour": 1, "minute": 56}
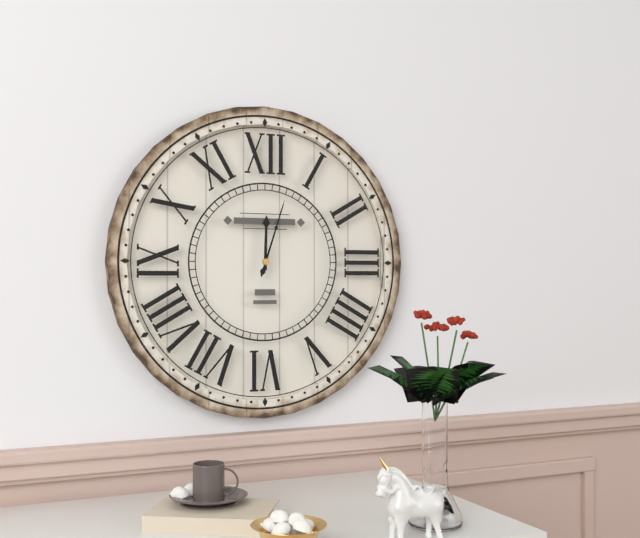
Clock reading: {"hour": 12, "minute": 3}
